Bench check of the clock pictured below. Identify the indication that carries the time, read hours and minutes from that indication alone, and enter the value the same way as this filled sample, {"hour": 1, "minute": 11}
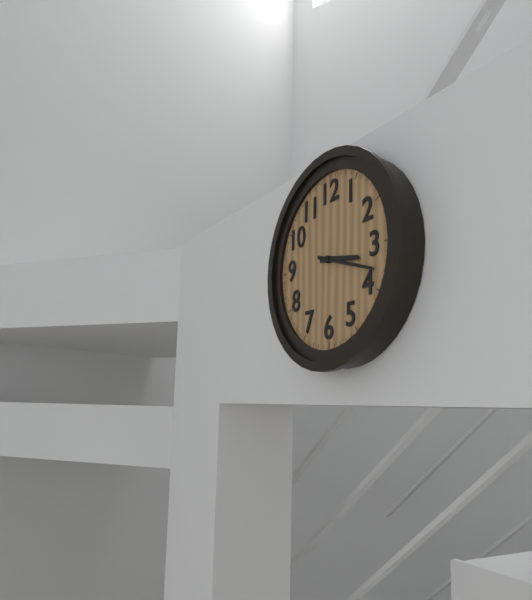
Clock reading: {"hour": 3, "minute": 18}
